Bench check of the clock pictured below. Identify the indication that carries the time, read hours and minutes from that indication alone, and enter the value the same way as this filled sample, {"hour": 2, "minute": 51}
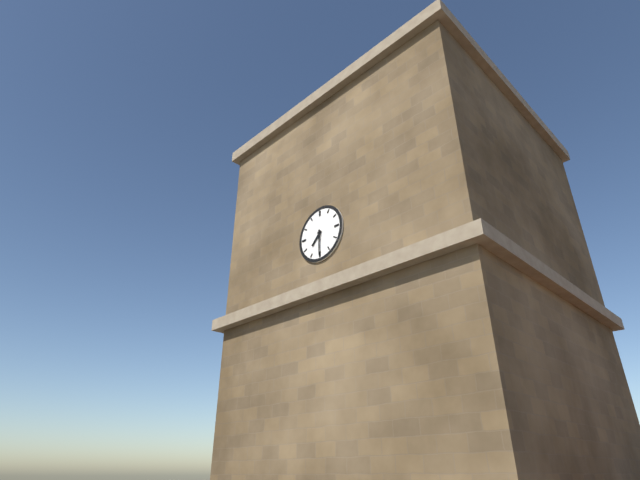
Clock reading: {"hour": 7, "minute": 30}
